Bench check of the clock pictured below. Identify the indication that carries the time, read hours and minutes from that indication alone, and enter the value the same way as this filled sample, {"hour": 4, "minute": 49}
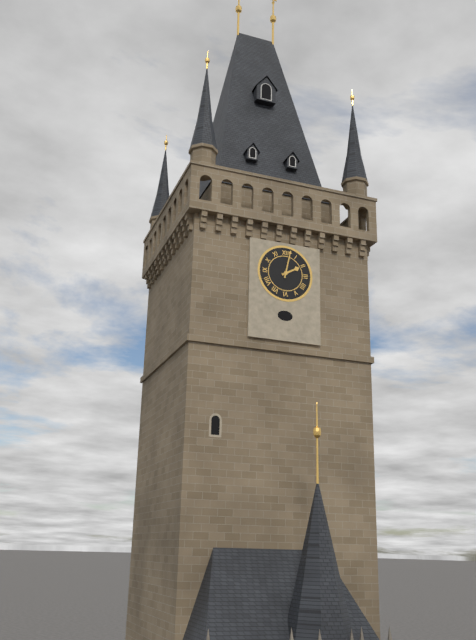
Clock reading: {"hour": 2, "minute": 2}
